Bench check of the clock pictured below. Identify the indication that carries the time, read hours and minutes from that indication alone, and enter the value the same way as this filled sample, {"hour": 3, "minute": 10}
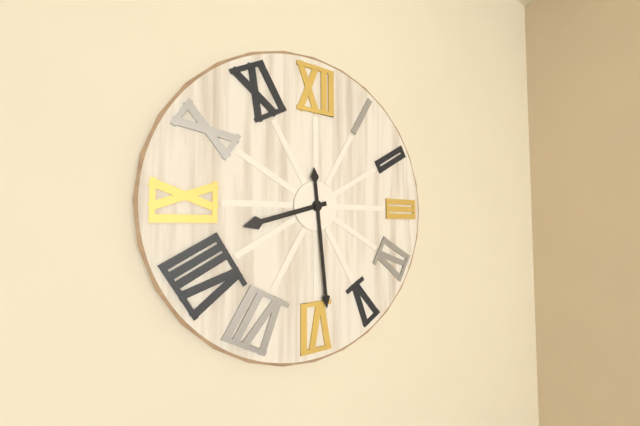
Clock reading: {"hour": 8, "minute": 29}
